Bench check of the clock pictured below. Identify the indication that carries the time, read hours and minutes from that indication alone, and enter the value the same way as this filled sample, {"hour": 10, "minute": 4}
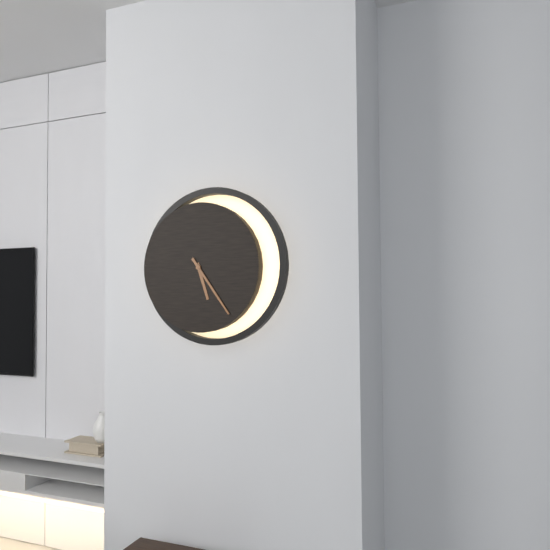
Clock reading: {"hour": 5, "minute": 24}
